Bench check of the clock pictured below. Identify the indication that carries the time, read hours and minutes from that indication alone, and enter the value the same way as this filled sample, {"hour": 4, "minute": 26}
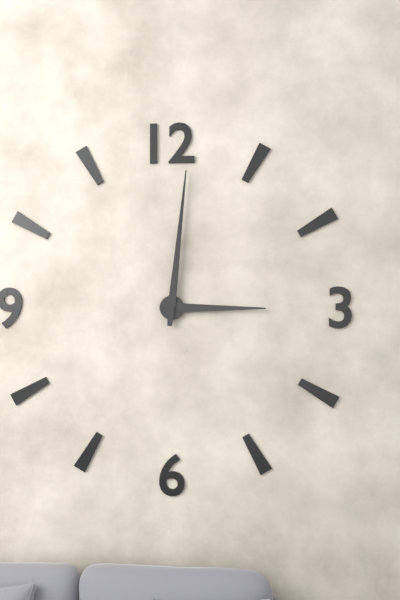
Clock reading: {"hour": 3, "minute": 1}
